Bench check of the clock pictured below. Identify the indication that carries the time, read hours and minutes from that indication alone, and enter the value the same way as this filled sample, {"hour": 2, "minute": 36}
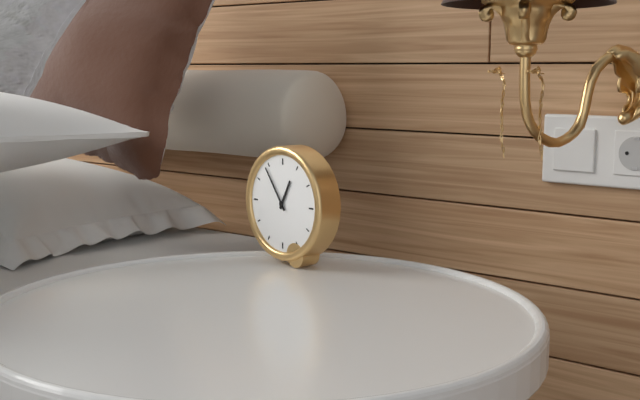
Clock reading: {"hour": 12, "minute": 54}
